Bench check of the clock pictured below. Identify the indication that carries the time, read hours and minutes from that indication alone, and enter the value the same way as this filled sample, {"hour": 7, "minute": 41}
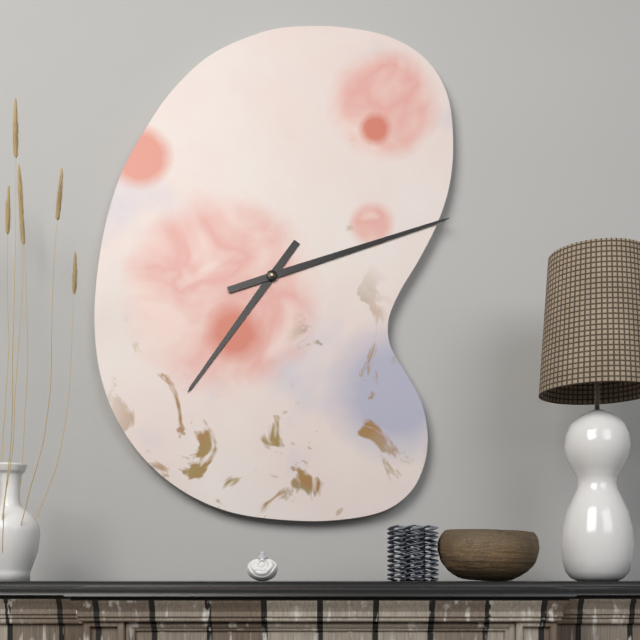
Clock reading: {"hour": 7, "minute": 12}
